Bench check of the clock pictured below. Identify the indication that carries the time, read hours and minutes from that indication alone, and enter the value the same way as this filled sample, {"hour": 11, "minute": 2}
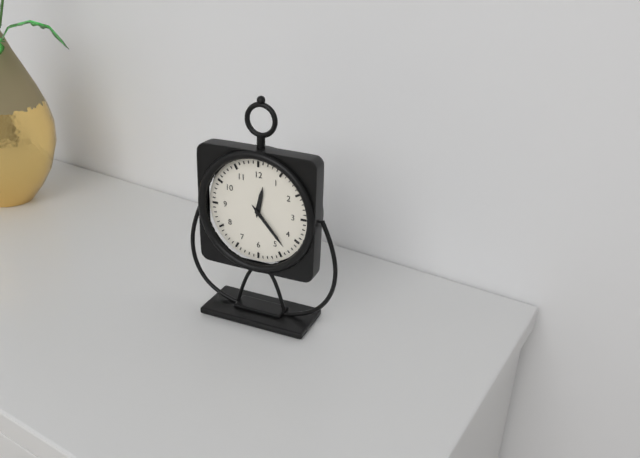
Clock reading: {"hour": 12, "minute": 23}
